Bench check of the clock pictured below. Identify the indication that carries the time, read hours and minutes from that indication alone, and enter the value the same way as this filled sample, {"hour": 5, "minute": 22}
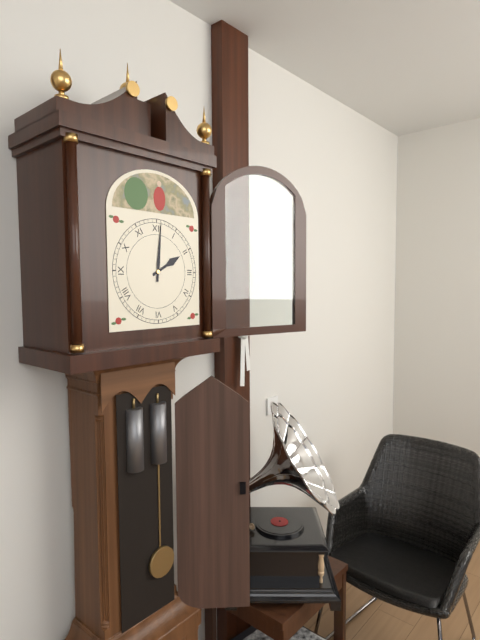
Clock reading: {"hour": 2, "minute": 1}
